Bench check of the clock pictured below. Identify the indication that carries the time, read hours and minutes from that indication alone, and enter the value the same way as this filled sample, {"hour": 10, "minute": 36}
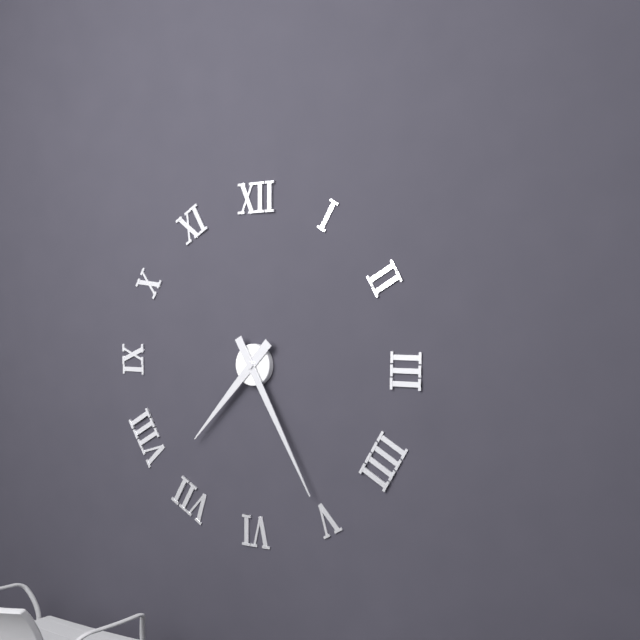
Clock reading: {"hour": 7, "minute": 25}
